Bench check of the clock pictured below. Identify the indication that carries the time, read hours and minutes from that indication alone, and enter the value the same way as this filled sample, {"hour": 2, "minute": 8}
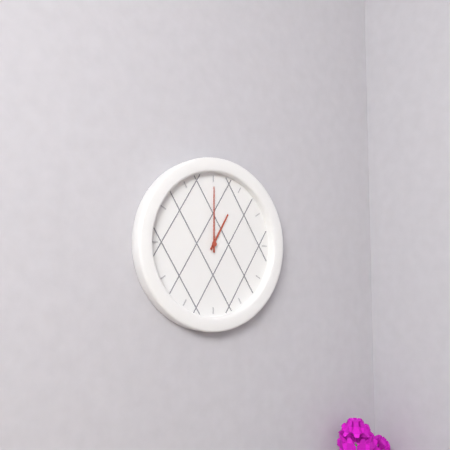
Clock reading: {"hour": 1, "minute": 0}
